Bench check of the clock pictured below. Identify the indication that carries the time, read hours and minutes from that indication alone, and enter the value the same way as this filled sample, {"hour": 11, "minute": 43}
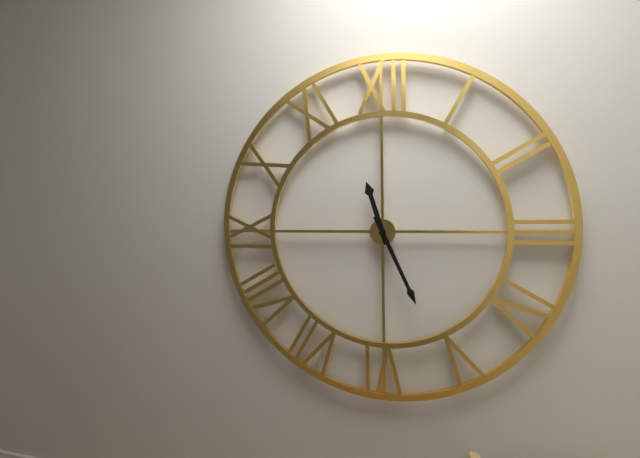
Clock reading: {"hour": 11, "minute": 26}
